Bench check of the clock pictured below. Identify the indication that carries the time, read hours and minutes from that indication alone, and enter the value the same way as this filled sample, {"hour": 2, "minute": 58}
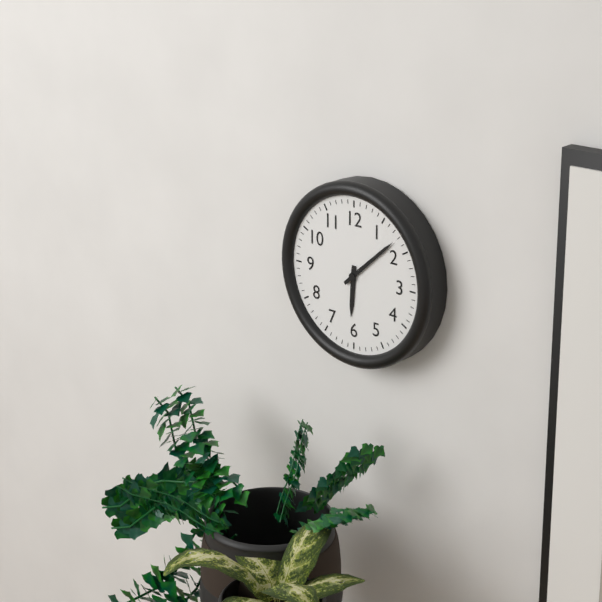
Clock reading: {"hour": 6, "minute": 8}
